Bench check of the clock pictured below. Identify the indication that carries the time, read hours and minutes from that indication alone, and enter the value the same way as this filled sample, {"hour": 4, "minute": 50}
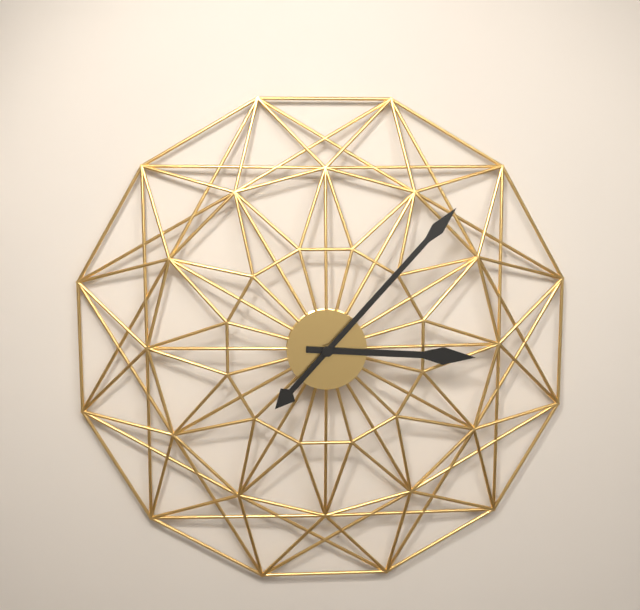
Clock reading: {"hour": 3, "minute": 7}
